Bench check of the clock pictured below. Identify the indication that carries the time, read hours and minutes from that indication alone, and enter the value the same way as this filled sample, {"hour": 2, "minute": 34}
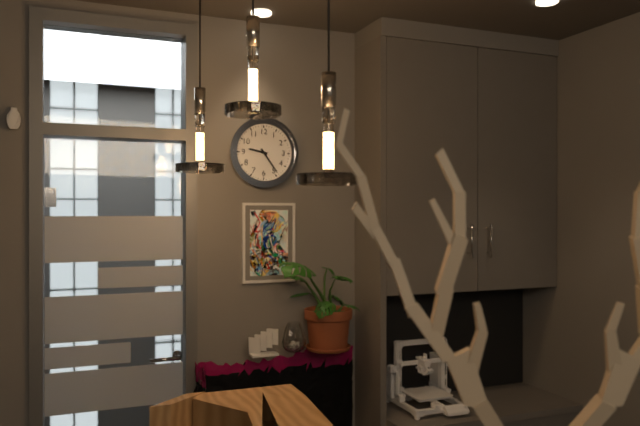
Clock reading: {"hour": 9, "minute": 24}
